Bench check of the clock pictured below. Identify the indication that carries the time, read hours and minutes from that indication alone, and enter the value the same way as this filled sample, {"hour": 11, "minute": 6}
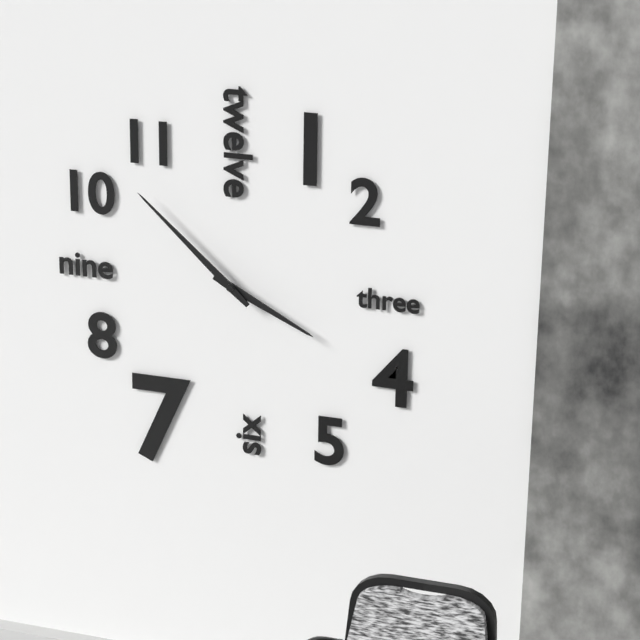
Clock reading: {"hour": 3, "minute": 52}
